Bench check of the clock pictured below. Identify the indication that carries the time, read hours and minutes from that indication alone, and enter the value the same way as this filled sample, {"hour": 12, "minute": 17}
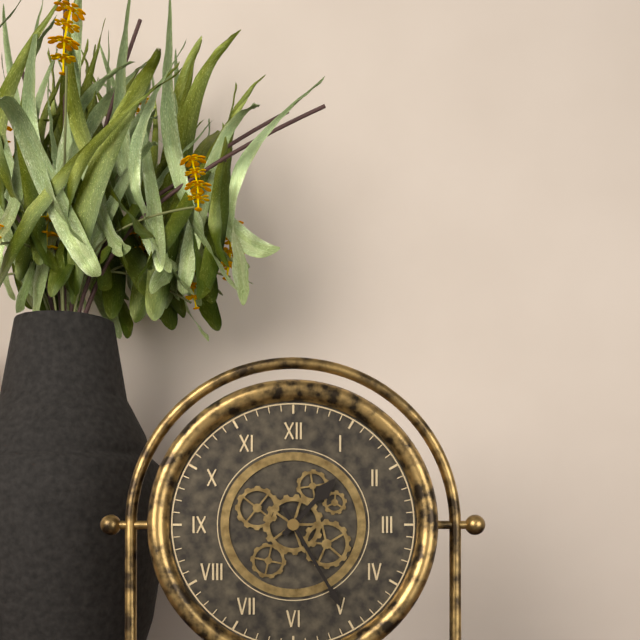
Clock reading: {"hour": 1, "minute": 25}
